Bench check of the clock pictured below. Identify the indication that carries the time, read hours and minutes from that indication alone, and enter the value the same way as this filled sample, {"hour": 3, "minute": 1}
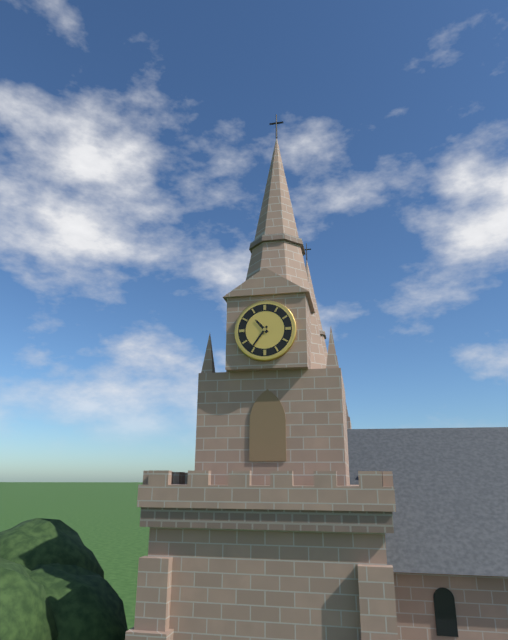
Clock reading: {"hour": 10, "minute": 36}
